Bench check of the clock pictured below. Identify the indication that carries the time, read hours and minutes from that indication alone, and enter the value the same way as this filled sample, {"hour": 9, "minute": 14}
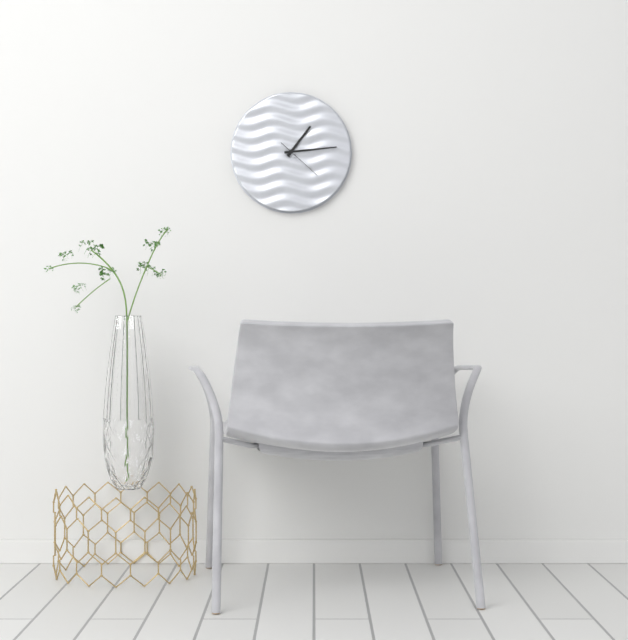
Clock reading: {"hour": 1, "minute": 14}
